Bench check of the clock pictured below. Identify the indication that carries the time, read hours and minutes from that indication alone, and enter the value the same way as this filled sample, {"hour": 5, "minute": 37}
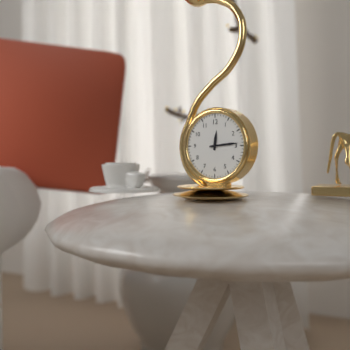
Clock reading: {"hour": 12, "minute": 14}
